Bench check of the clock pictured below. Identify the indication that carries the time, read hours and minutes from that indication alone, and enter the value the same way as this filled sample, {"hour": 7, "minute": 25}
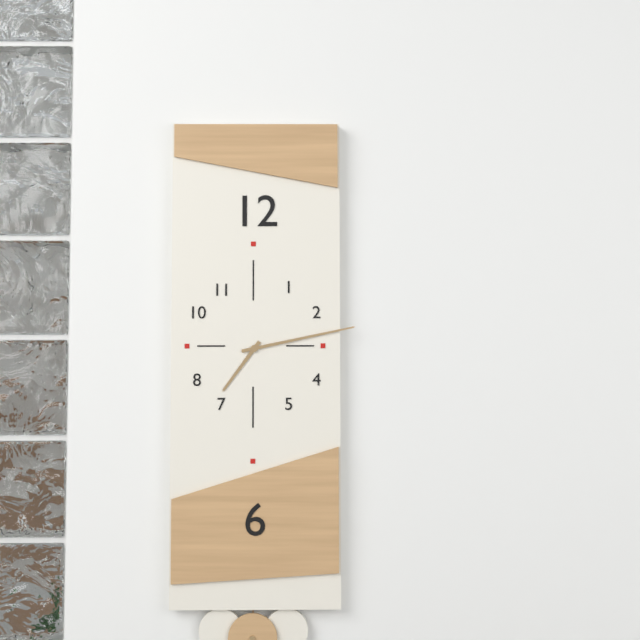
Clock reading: {"hour": 7, "minute": 13}
